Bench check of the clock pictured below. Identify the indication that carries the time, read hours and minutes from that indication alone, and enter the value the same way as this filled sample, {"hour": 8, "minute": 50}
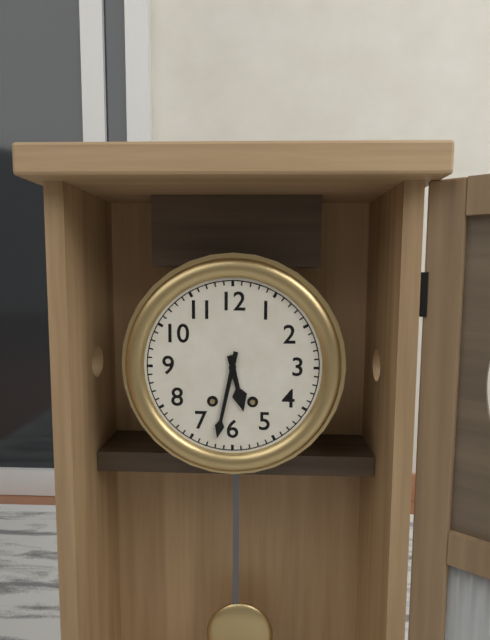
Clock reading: {"hour": 5, "minute": 32}
